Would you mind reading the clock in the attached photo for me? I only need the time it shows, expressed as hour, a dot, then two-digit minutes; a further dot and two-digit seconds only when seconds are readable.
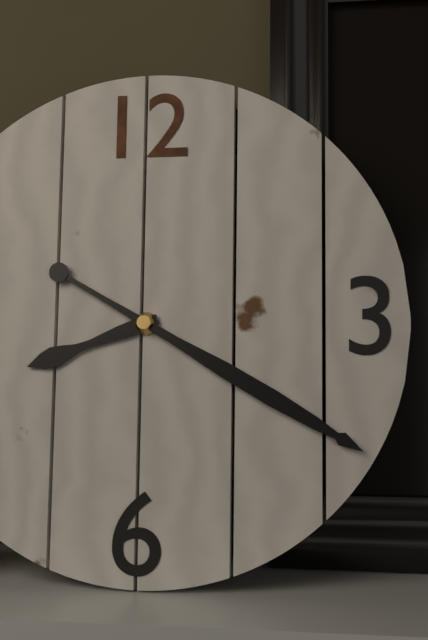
8.20
